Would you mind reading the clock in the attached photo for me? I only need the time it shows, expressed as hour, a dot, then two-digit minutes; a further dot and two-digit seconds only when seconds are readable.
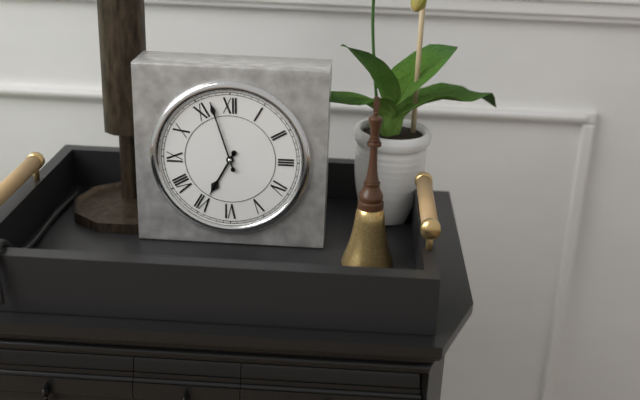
6.57
